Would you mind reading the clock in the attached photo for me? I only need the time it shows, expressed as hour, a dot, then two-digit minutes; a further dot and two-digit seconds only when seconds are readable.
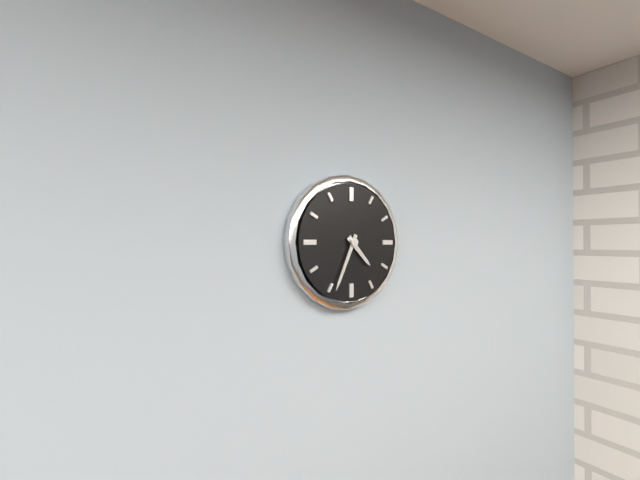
4.34
